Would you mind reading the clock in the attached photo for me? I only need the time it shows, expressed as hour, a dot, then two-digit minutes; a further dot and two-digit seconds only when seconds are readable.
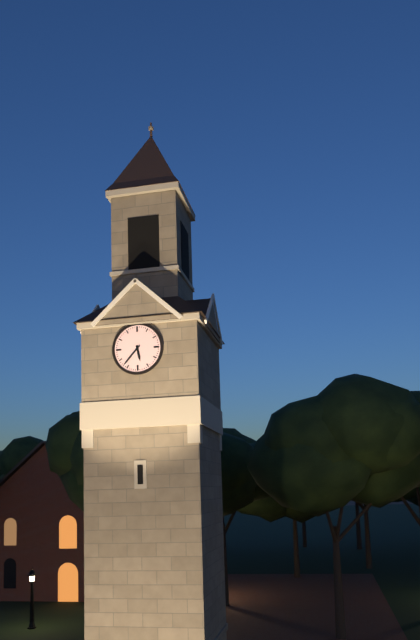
5.37
